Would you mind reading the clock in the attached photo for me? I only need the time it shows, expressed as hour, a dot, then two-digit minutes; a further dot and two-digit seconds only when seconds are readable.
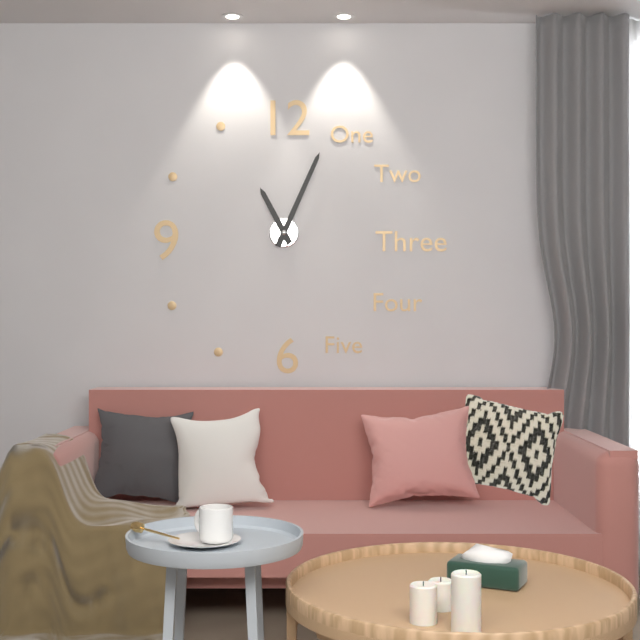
11.04
